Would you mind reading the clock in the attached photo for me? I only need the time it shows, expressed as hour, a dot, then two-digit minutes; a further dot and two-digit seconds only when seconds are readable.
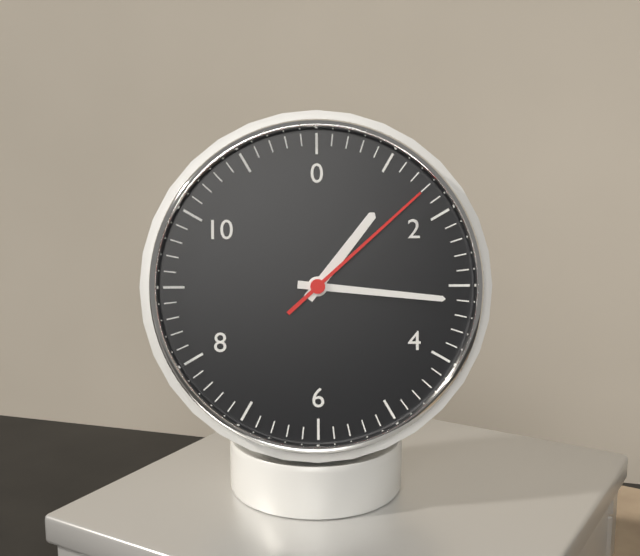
1.16.08
